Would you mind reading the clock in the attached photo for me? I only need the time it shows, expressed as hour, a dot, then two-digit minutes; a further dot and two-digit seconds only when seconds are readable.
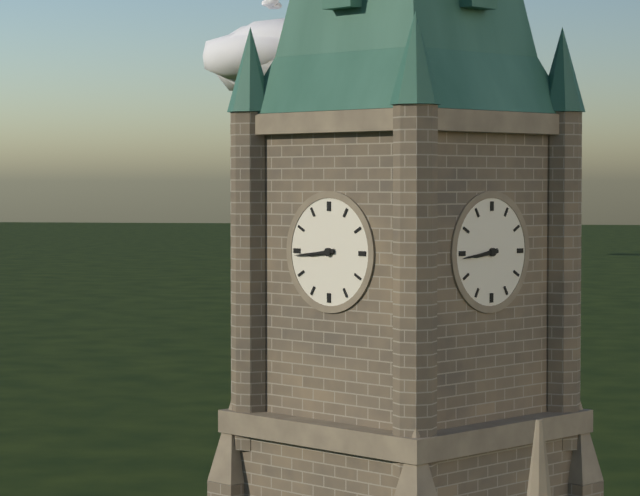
8.44
